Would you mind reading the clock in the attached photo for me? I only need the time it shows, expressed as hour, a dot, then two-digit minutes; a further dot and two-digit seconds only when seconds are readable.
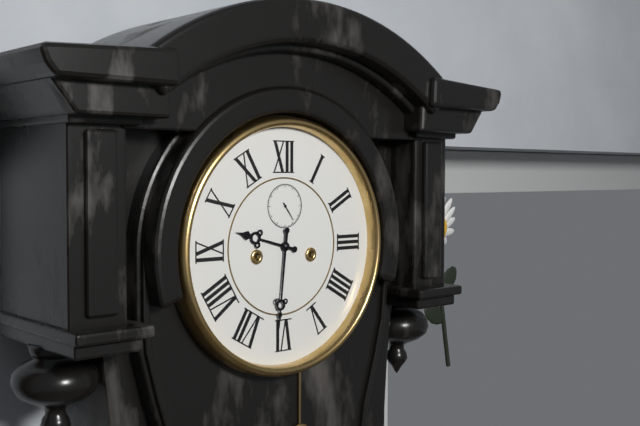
9.31
